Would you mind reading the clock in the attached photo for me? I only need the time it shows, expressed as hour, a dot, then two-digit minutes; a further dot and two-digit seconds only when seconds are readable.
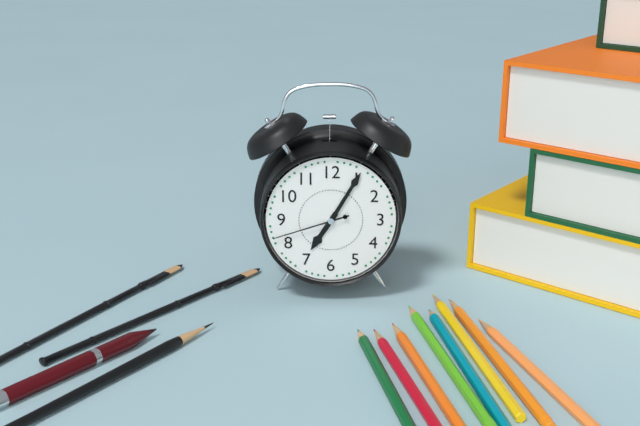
7.05.42
